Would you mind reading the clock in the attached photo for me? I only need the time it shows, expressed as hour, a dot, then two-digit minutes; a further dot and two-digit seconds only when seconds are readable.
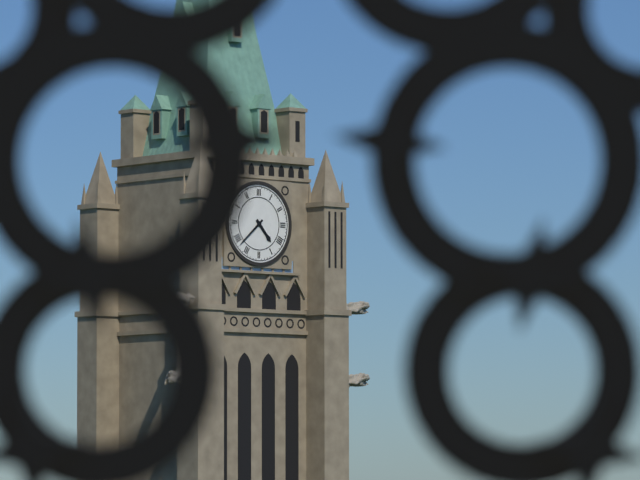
4.38
